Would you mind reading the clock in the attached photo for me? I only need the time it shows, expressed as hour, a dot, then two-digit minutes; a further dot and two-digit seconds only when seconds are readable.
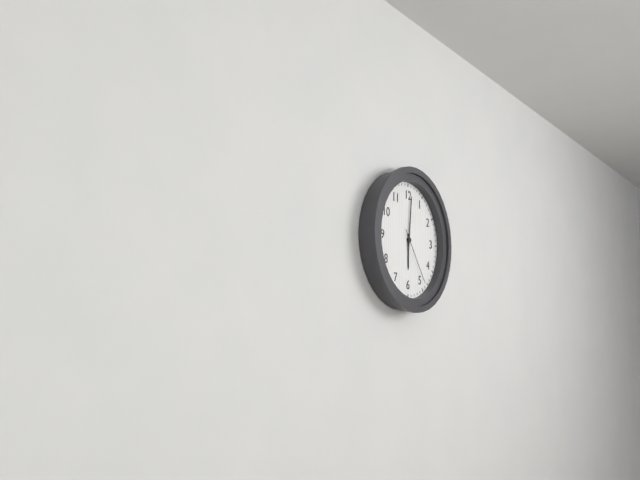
6.01.24
